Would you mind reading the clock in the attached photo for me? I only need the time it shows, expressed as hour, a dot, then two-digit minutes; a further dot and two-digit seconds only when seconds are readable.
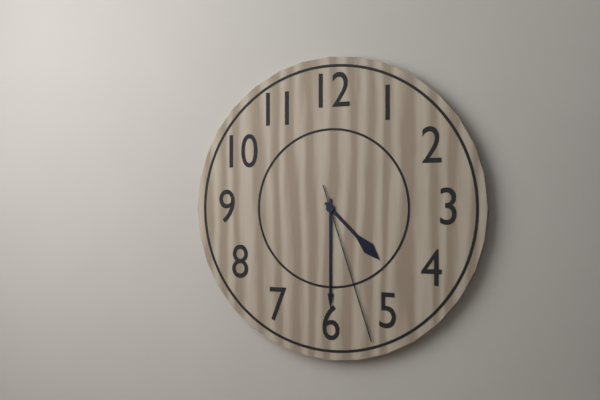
4.30.27
